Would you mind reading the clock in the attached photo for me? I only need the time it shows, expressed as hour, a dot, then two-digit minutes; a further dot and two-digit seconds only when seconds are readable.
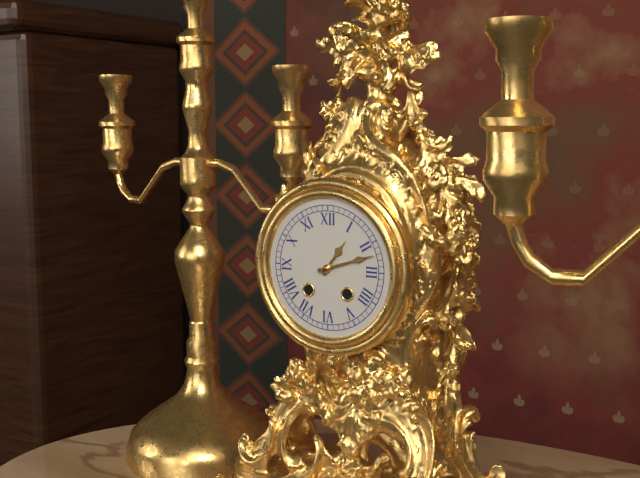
1.12
